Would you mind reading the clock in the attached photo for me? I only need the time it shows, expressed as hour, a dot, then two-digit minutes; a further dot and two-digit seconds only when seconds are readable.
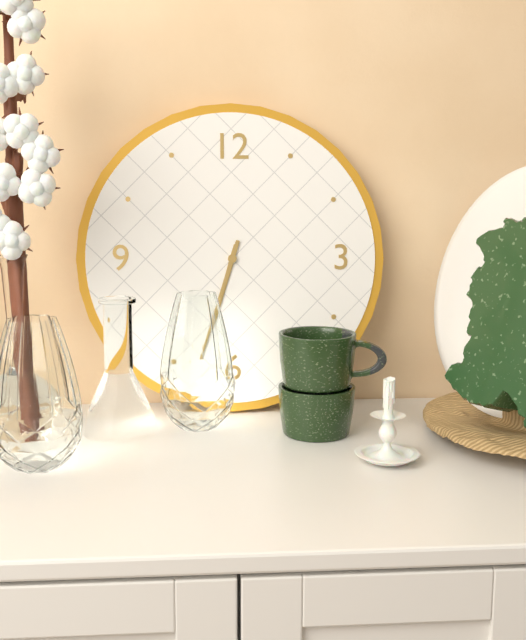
6.33
